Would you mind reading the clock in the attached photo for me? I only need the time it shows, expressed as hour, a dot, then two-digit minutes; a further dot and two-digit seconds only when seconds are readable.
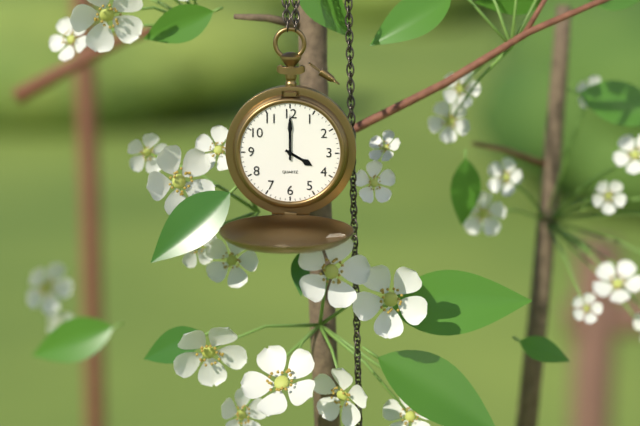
4.00
